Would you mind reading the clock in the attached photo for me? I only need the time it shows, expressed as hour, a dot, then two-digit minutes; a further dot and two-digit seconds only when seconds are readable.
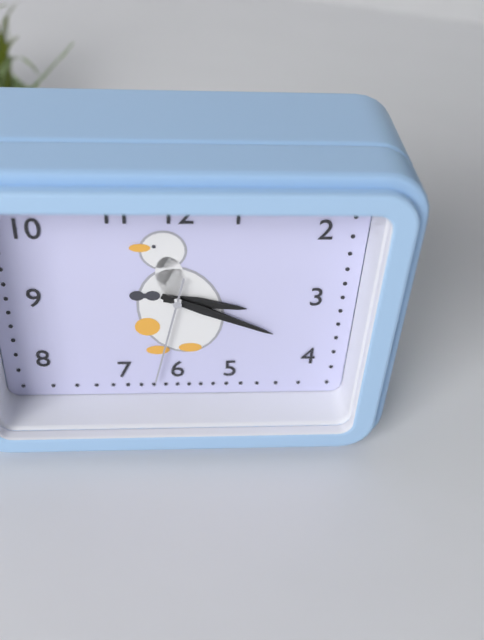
3.19.32
